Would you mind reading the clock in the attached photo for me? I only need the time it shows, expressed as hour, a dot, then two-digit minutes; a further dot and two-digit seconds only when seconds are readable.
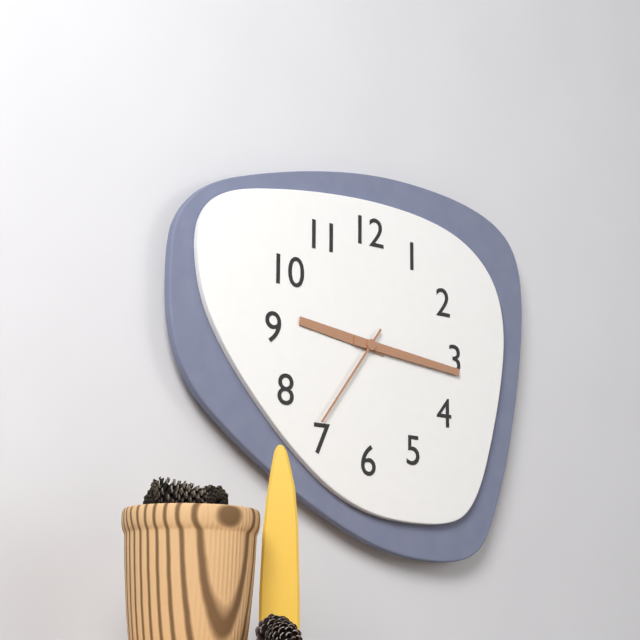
9.16.36
